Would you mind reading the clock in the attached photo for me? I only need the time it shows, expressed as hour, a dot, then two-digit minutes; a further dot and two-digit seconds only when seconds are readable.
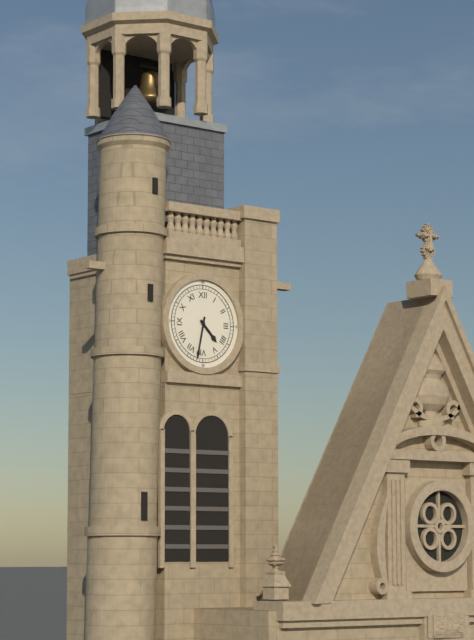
4.32
